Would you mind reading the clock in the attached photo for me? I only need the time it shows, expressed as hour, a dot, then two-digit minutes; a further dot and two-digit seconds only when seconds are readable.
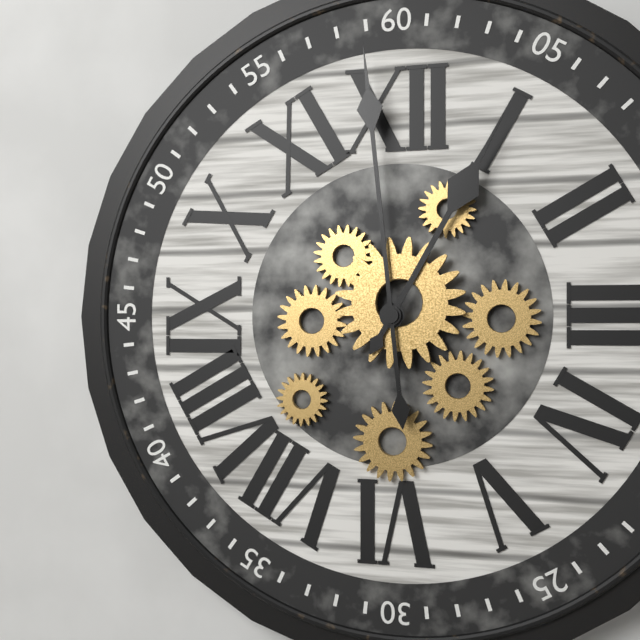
12.59
